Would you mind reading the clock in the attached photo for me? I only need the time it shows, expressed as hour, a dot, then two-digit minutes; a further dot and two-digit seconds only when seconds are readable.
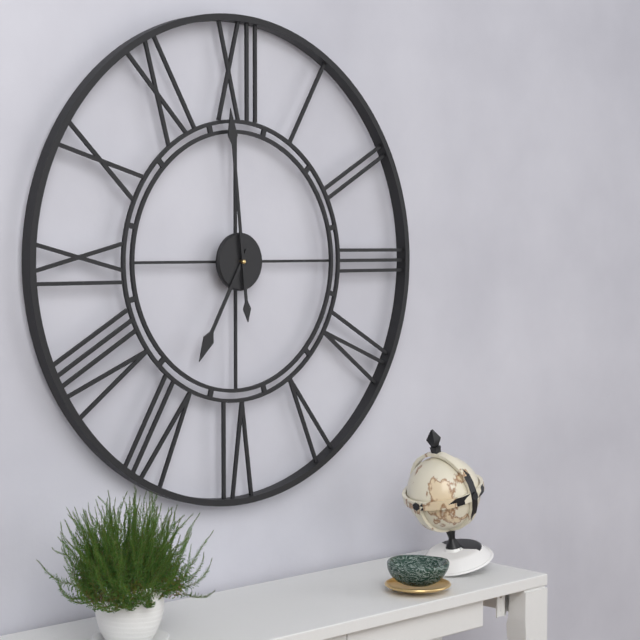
6.59
